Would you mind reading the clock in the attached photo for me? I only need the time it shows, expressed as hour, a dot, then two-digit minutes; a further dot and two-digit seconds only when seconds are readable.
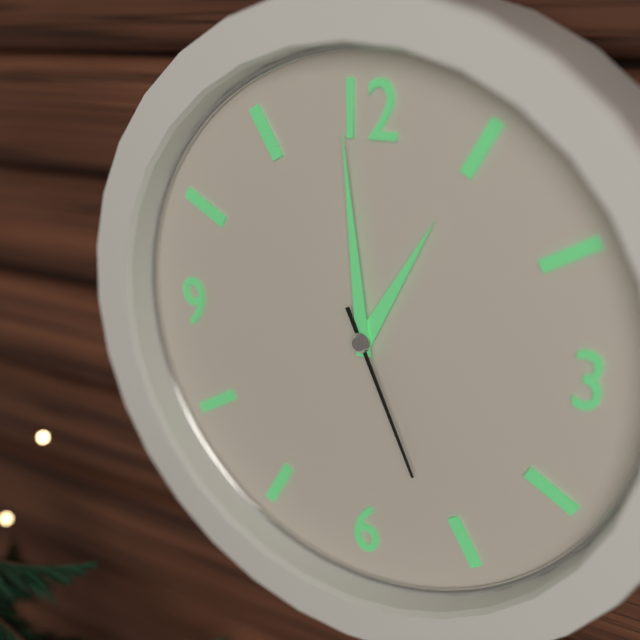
12.59.26
